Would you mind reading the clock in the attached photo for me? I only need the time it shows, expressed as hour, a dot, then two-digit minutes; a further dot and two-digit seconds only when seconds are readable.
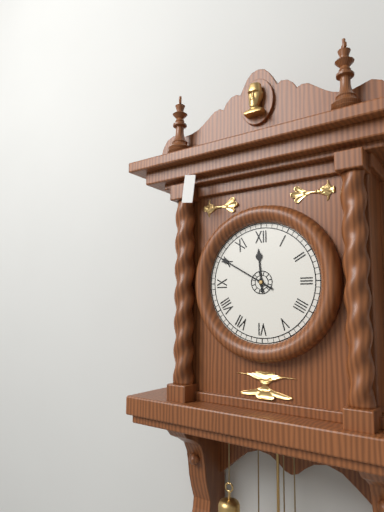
11.50
